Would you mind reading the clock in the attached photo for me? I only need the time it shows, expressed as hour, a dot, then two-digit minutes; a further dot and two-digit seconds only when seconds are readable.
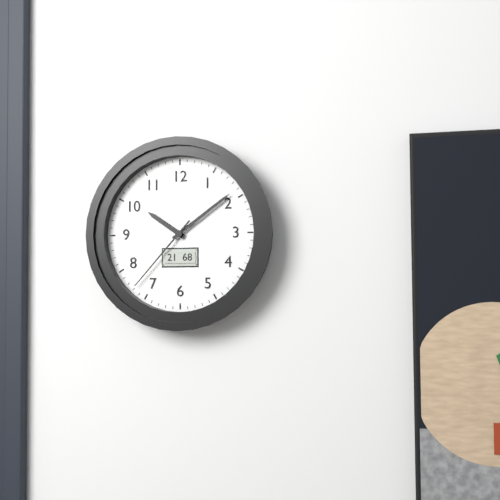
10.09.37
